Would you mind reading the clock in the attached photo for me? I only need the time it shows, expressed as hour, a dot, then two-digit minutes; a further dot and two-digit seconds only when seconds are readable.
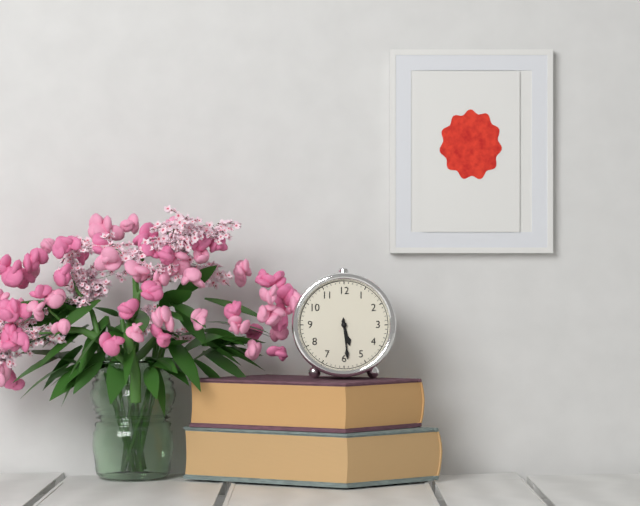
5.29
